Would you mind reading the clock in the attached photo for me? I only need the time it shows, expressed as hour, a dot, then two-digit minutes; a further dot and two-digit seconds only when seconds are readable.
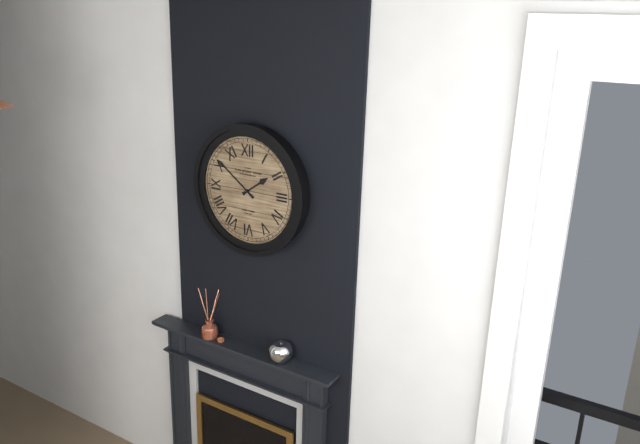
1.51
